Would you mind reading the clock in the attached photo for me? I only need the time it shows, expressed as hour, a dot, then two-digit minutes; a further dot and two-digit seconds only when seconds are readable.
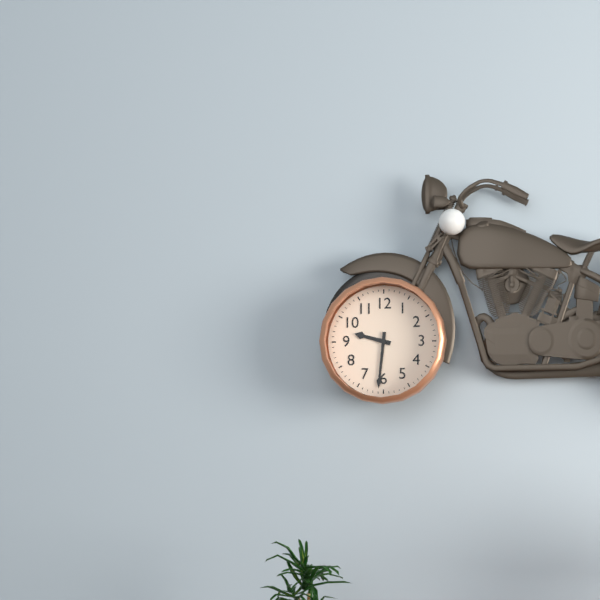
9.31
